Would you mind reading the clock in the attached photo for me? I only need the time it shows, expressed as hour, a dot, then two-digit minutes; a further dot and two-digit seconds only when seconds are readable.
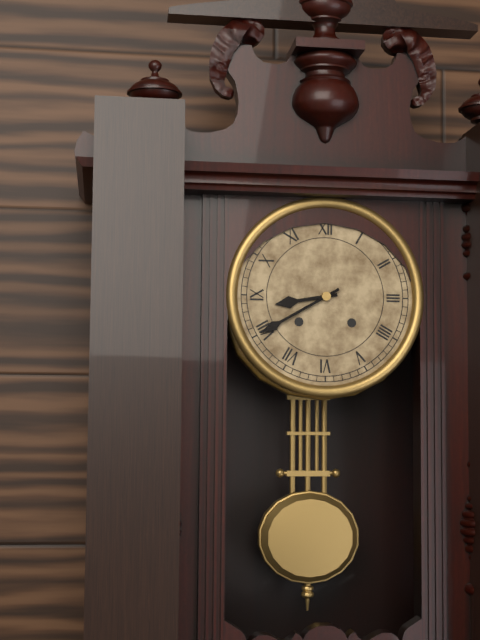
8.40
